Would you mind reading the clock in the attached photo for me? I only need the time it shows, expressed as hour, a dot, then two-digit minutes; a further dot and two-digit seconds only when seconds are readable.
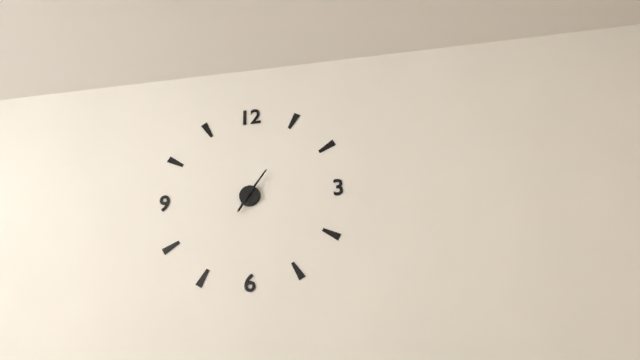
7.06
